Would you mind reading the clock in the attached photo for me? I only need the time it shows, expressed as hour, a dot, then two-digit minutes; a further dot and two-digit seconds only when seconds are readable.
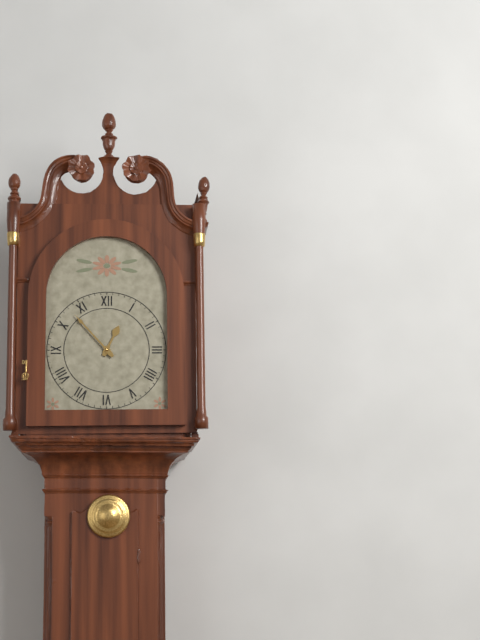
12.53
